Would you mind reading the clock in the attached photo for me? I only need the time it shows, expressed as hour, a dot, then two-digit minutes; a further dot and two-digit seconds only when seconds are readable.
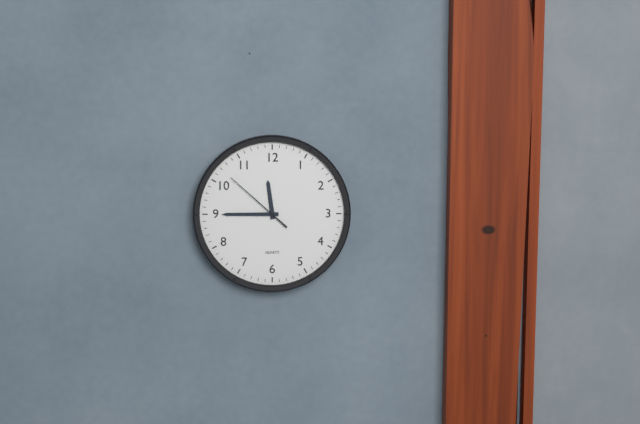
11.45.52
